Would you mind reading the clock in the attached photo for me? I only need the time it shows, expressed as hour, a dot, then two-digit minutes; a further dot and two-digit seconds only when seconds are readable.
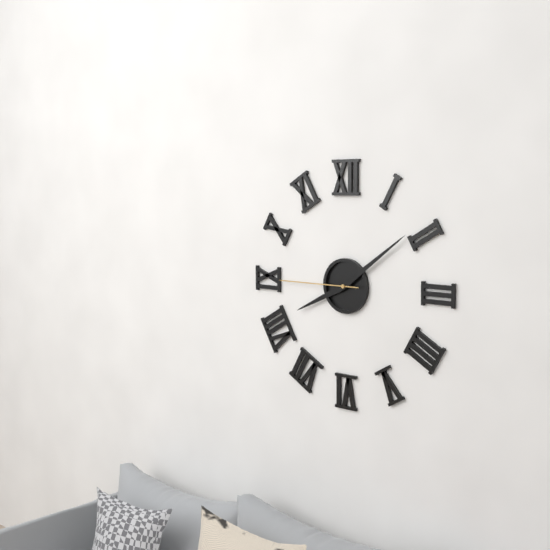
8.09.45
